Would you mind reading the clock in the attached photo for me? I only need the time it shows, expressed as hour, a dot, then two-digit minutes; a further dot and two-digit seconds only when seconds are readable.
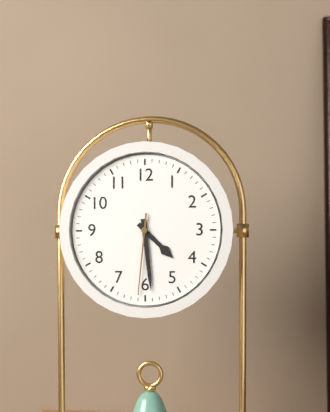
4.29.31
